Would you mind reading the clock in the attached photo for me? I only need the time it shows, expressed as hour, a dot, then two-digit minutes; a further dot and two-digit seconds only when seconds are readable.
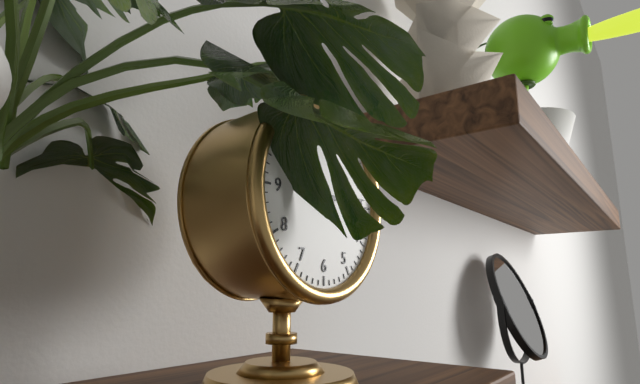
10.14.52
